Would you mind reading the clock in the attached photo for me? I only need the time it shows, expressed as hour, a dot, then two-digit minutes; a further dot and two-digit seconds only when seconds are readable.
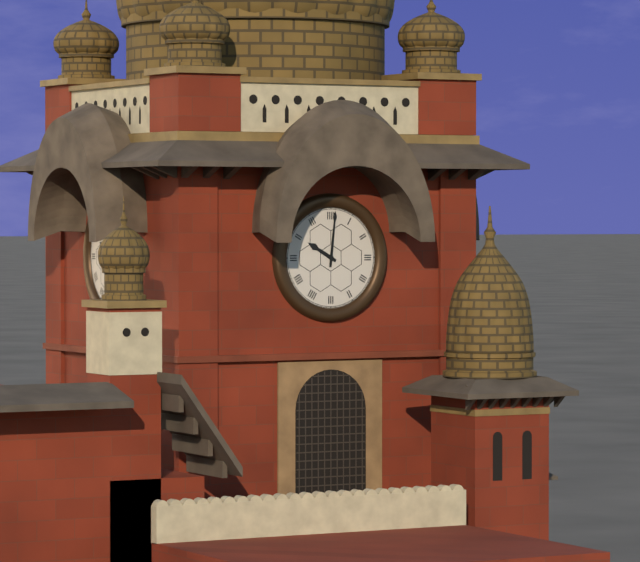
10.01
